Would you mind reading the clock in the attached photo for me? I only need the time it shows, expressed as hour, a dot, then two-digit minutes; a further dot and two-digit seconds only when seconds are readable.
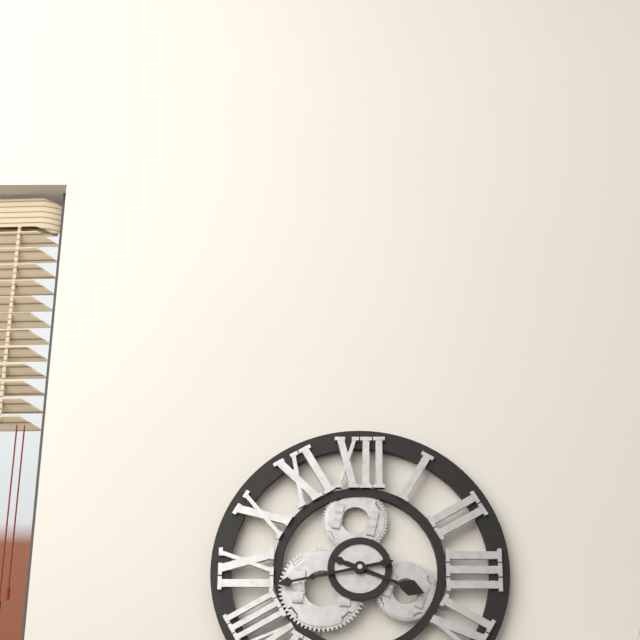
3.43
